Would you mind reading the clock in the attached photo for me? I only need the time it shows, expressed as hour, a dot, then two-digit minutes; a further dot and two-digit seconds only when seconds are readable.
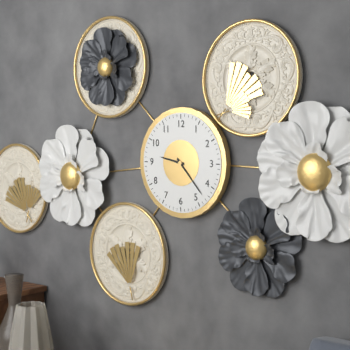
9.23
